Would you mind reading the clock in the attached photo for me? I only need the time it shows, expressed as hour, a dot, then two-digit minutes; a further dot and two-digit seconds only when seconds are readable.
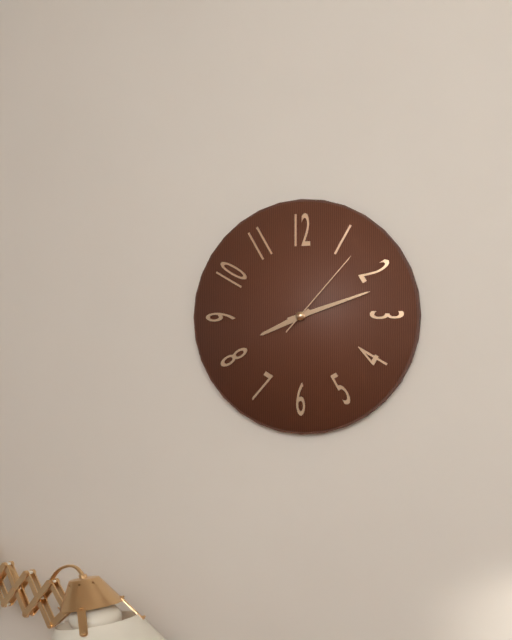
8.12.07
